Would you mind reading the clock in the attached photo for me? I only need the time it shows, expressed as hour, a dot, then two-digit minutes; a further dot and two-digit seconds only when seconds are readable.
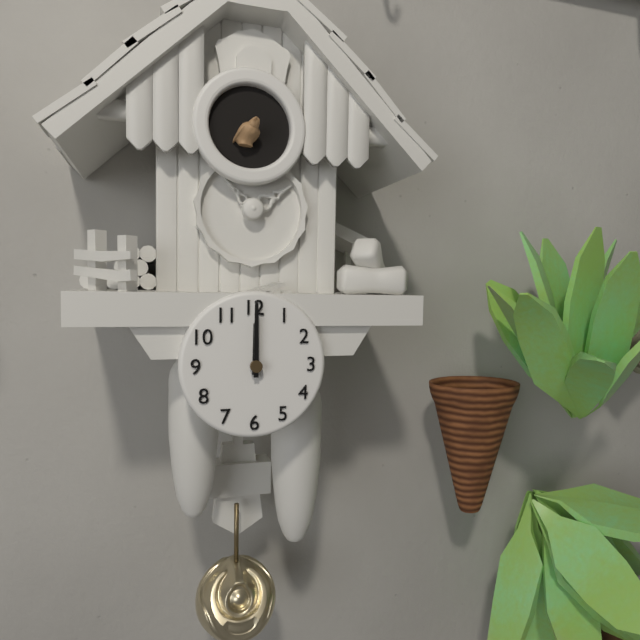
12.00
